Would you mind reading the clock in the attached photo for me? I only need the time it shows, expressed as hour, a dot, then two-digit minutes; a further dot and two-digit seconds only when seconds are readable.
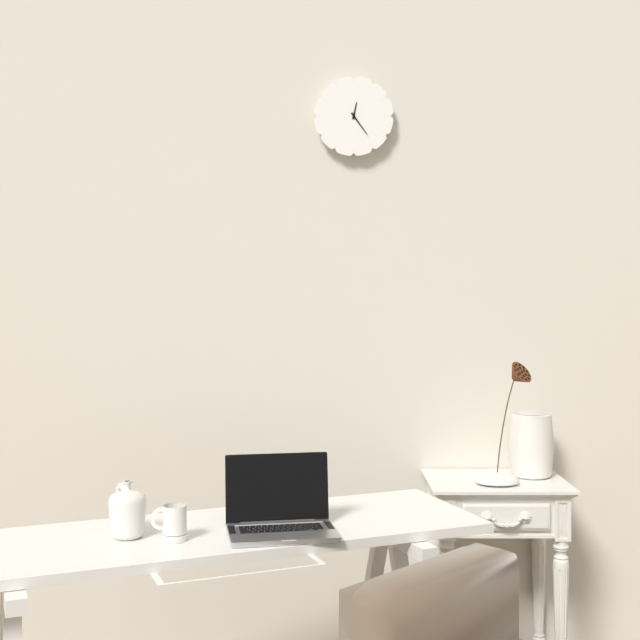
12.24
